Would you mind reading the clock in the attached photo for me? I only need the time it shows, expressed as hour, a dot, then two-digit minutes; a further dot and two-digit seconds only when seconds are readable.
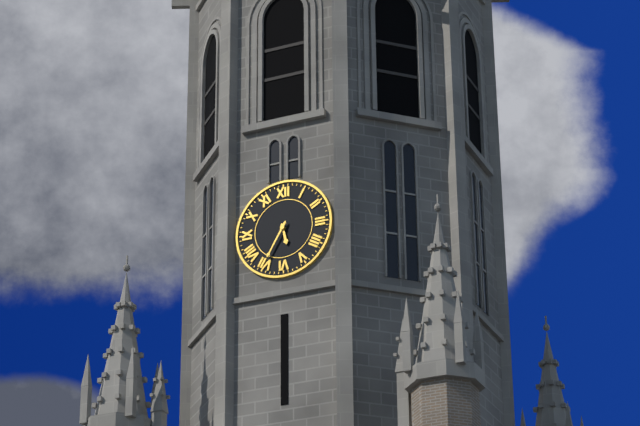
5.35
